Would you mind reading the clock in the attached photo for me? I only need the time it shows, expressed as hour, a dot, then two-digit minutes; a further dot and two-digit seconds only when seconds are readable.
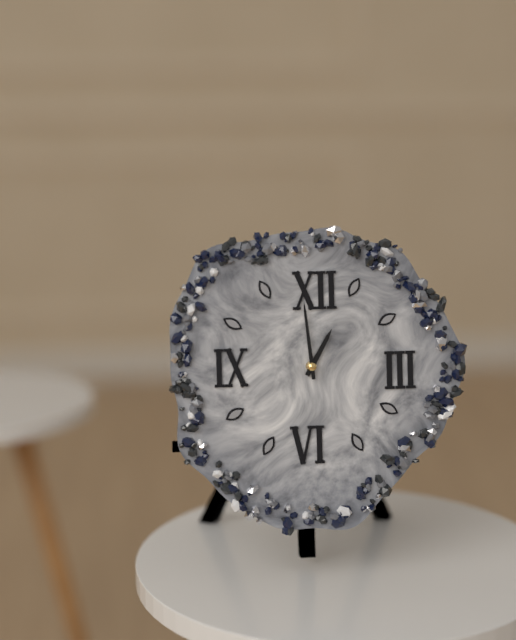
12.59
